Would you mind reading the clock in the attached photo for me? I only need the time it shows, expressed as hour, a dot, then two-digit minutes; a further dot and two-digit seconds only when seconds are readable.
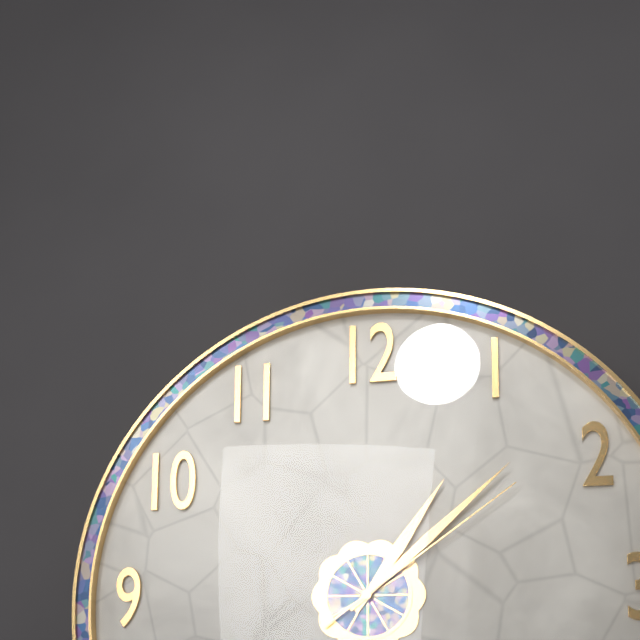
1.08.09
